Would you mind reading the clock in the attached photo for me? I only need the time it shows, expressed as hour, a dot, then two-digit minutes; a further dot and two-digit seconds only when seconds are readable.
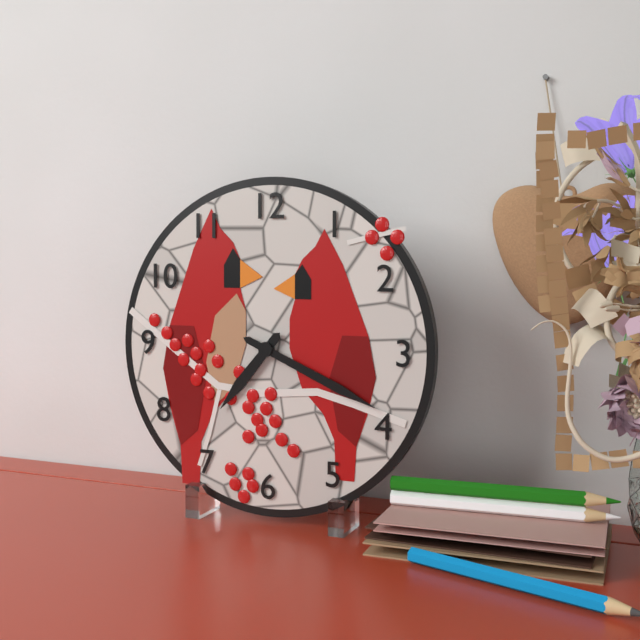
7.19
